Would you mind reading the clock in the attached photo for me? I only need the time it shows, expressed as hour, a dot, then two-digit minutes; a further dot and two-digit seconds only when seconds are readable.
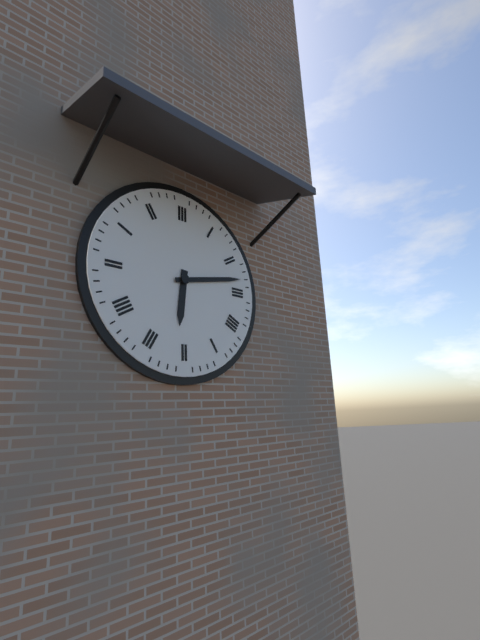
6.13
